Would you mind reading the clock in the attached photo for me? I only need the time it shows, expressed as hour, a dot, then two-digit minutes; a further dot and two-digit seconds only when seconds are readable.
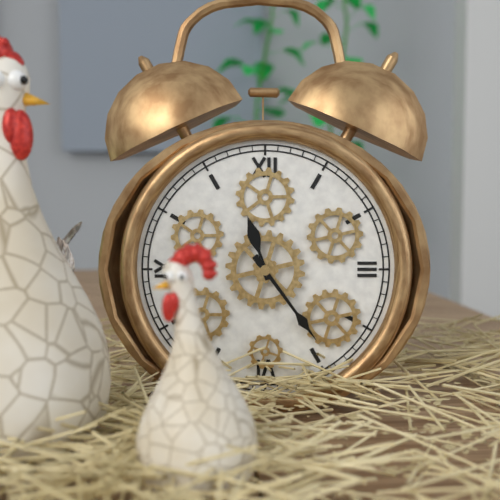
11.24
